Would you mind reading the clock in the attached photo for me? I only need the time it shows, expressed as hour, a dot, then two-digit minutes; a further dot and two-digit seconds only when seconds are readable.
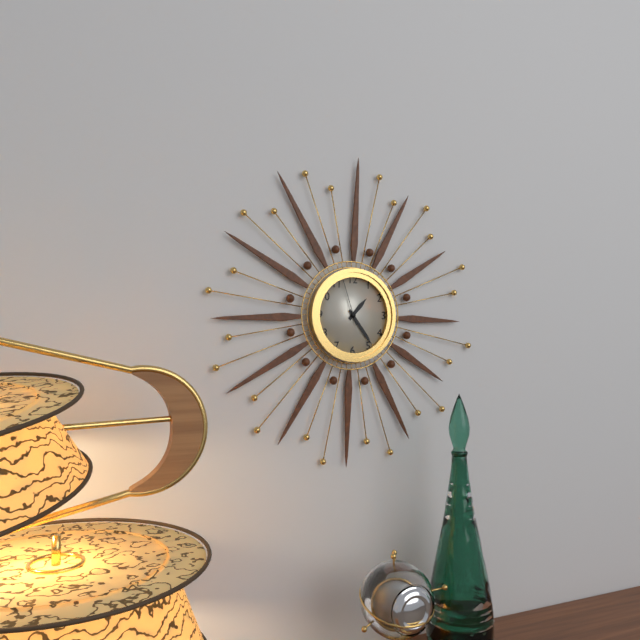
1.24
